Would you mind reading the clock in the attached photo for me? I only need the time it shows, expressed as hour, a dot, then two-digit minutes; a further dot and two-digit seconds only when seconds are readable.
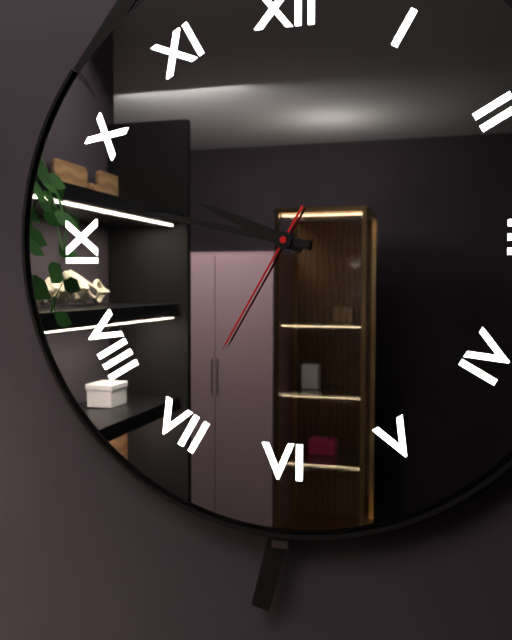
9.47.35
